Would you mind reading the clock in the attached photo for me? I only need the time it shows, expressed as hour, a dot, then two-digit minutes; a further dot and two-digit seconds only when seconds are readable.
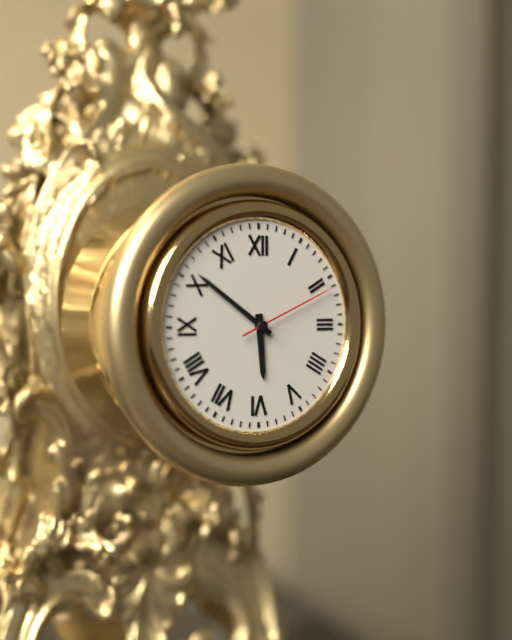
5.51.11
